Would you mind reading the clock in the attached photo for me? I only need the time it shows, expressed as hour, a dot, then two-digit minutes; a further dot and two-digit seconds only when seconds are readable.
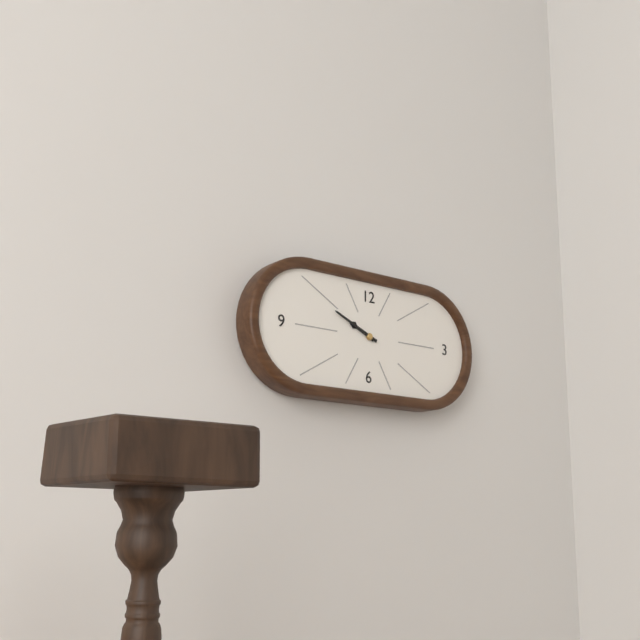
9.49
